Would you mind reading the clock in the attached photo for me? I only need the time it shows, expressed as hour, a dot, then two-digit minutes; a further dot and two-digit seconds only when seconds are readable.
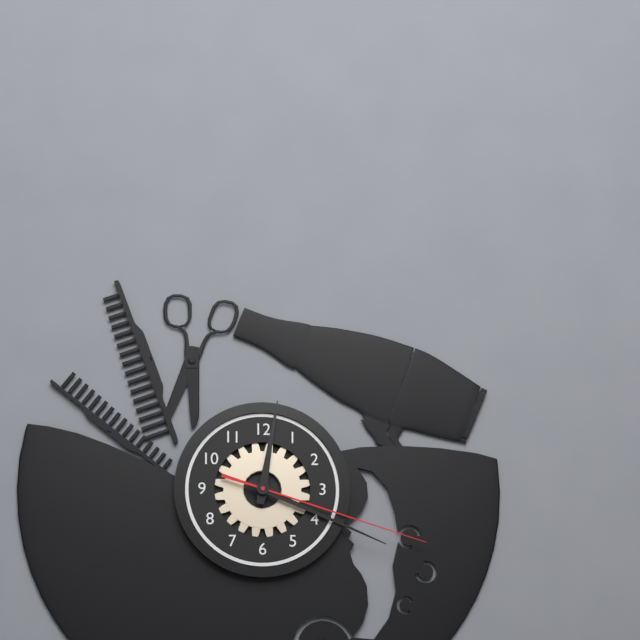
12.19.18
